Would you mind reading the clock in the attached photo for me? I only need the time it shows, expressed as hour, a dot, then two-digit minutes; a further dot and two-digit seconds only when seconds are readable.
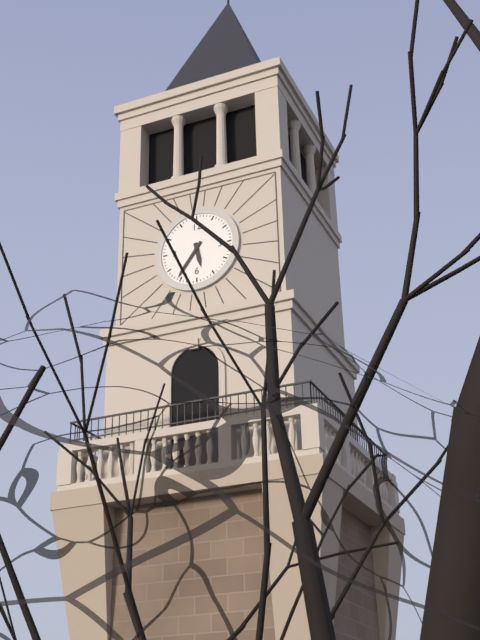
5.36
